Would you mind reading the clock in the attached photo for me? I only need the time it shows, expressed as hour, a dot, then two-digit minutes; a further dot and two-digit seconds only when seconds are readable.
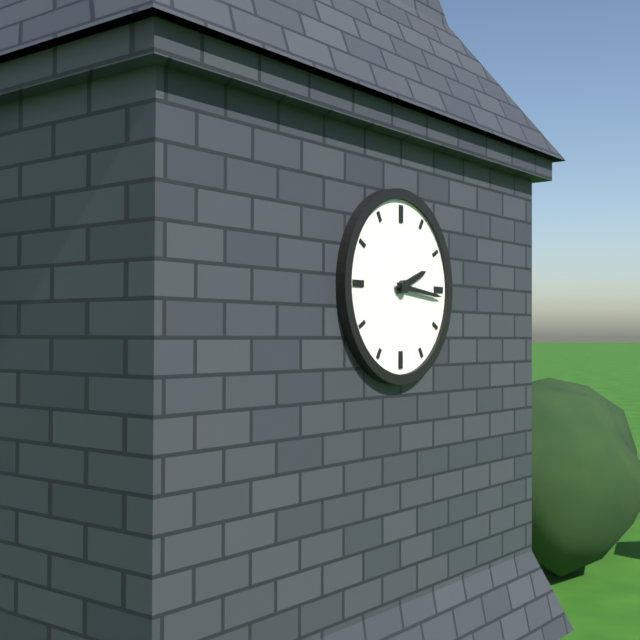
2.16
